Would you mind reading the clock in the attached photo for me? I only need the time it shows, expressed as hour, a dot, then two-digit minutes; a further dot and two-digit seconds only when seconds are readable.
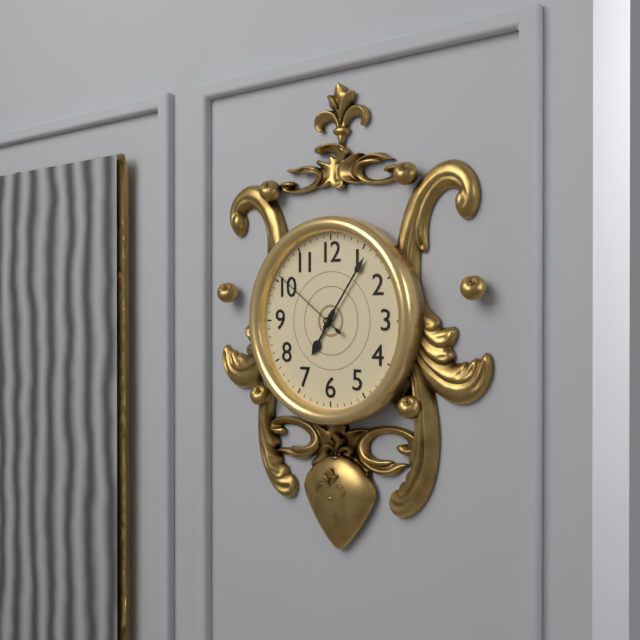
7.06.51
